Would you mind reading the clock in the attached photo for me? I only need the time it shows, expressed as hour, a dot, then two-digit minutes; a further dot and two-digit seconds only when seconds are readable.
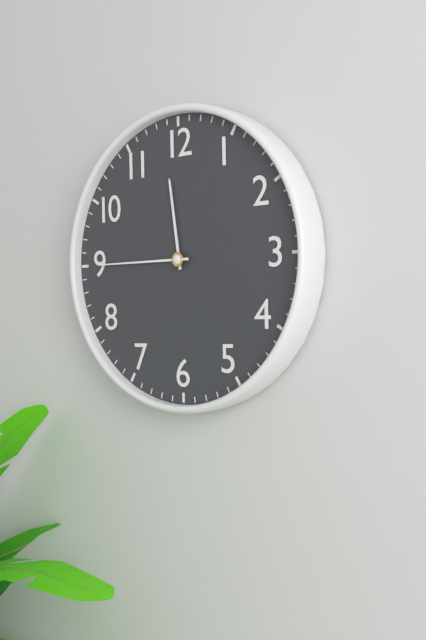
11.45
